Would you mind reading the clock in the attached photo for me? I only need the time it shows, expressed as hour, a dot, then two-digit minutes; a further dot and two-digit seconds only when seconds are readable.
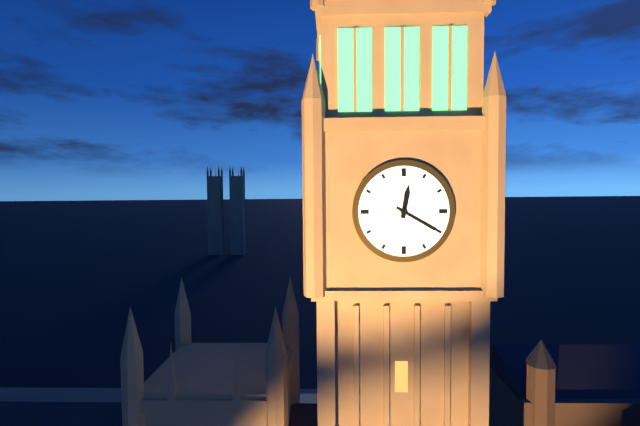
12.20
